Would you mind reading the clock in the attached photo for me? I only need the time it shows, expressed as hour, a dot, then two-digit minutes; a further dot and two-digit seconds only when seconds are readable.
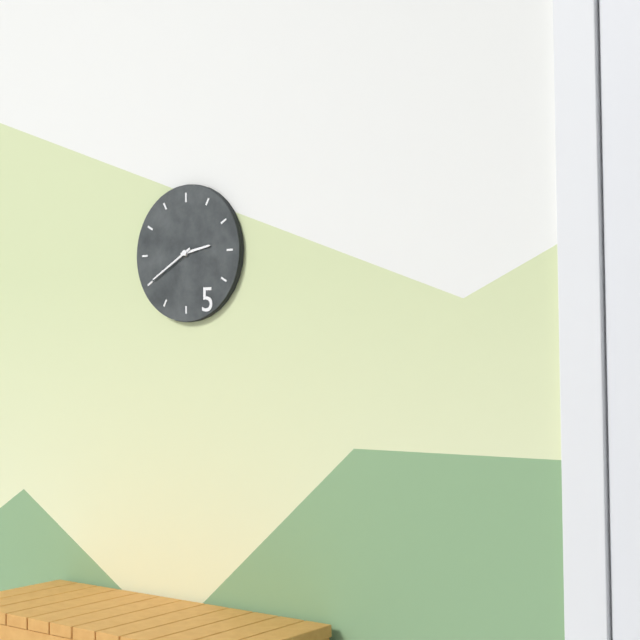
2.40
